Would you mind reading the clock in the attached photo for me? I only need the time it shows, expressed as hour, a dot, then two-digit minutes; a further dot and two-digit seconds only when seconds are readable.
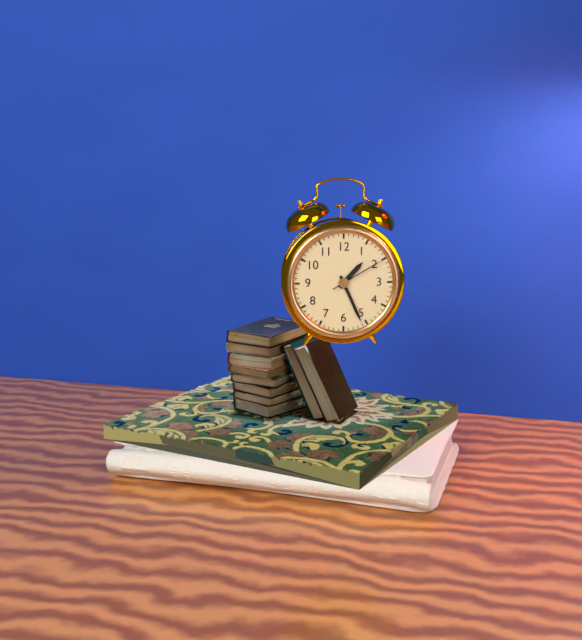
1.26.10
